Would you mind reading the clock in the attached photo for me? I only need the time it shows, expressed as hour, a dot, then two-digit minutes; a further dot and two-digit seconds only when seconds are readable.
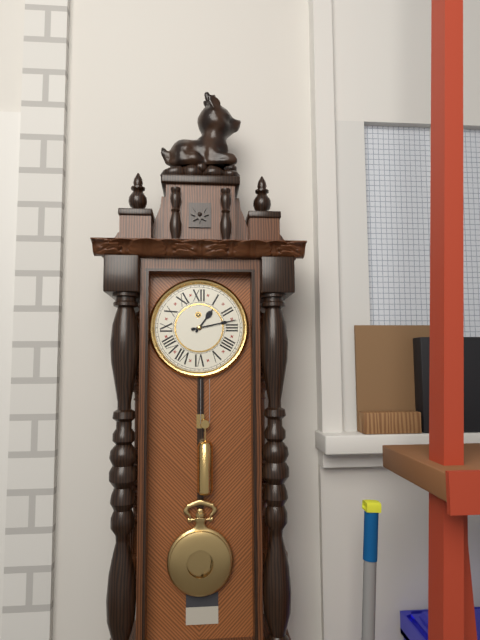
1.13
